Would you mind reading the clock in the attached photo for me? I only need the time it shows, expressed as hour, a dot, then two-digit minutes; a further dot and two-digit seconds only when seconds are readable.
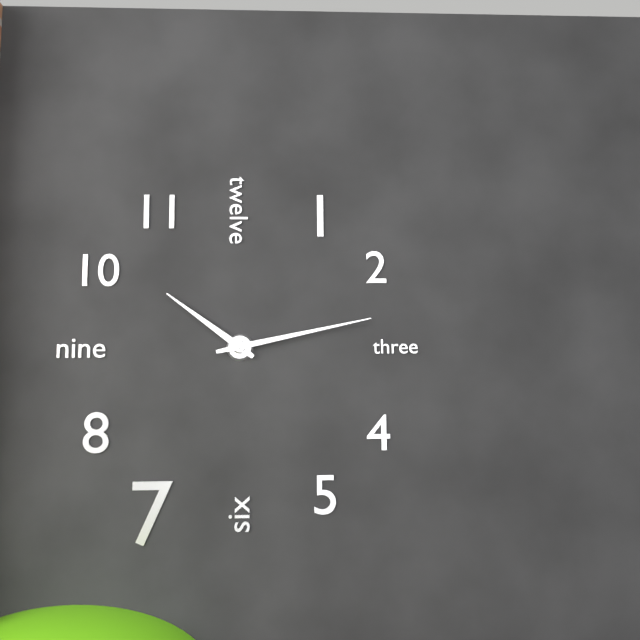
10.13
